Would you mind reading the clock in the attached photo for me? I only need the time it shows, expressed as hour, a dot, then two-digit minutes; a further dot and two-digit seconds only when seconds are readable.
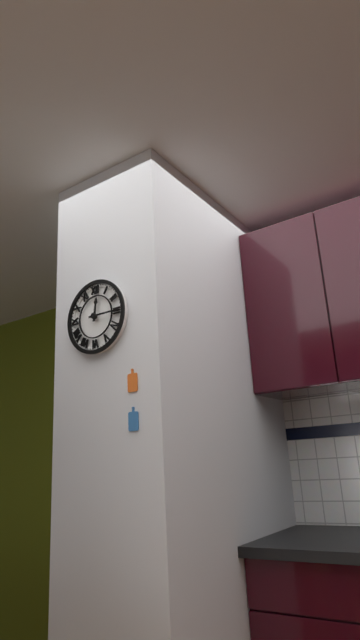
12.15
